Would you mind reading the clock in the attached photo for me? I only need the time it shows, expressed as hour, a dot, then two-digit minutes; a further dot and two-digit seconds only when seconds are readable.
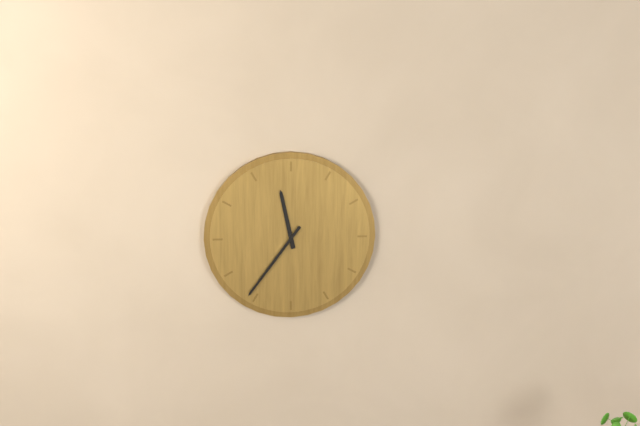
11.36
